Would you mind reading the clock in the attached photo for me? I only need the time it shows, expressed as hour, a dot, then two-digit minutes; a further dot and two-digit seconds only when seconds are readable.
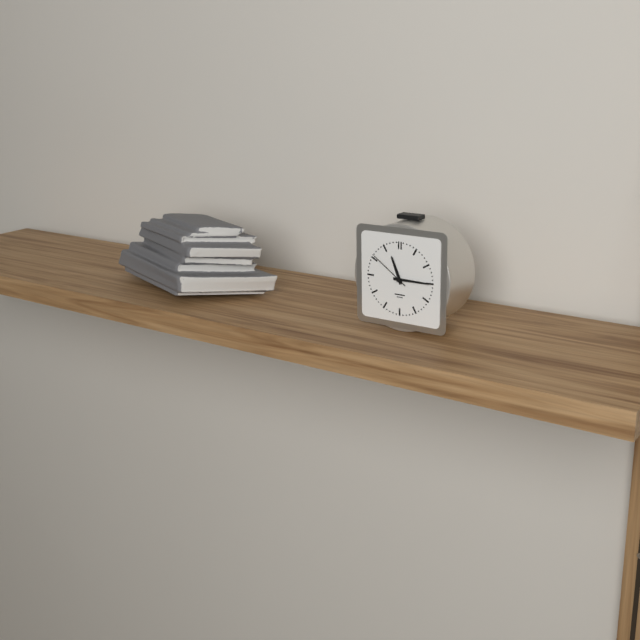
11.15
